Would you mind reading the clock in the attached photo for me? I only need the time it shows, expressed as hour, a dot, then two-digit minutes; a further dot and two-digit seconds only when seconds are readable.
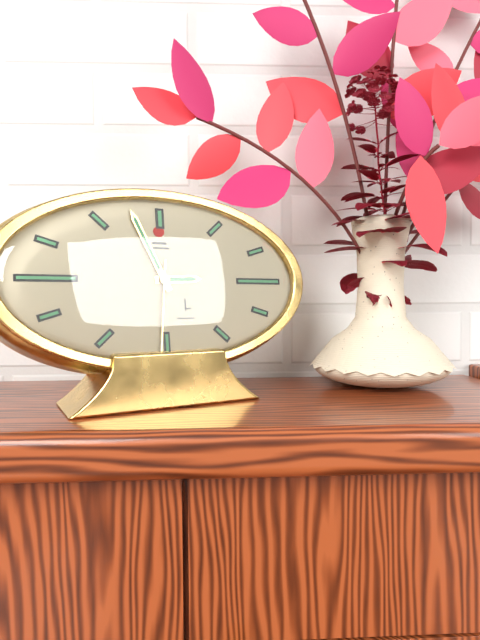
2.56.31
